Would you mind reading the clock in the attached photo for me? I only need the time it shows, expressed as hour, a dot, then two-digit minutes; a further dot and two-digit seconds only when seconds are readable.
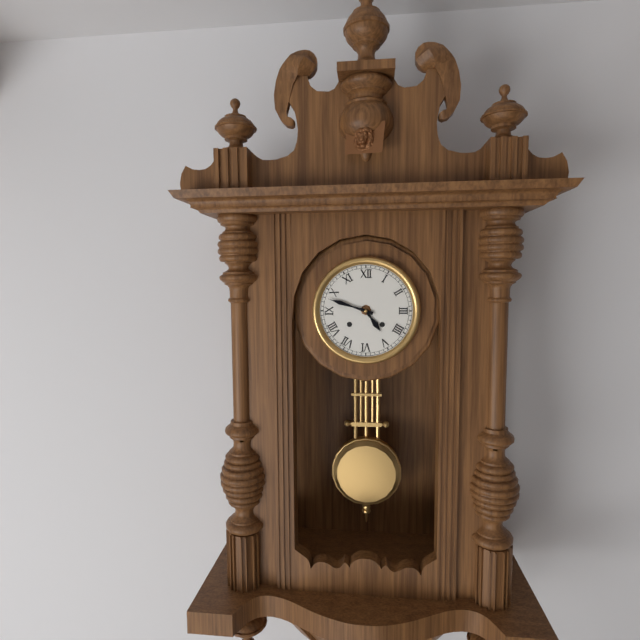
4.48
